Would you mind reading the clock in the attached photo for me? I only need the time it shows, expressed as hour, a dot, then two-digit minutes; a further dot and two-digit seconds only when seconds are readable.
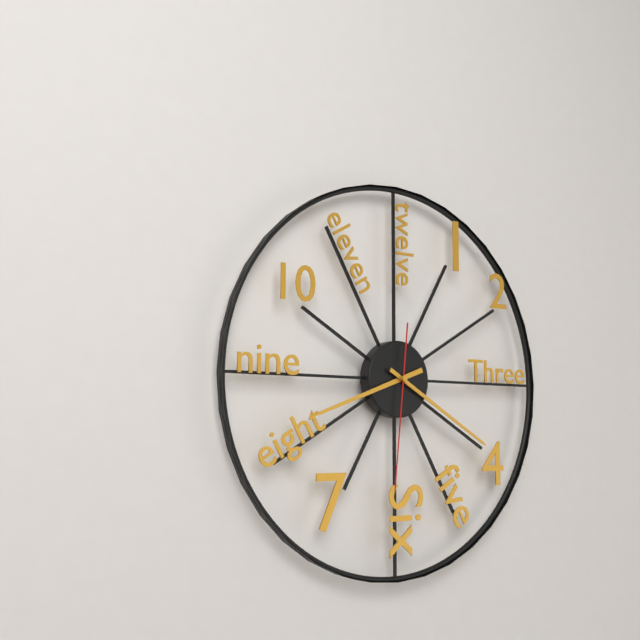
8.20.31
